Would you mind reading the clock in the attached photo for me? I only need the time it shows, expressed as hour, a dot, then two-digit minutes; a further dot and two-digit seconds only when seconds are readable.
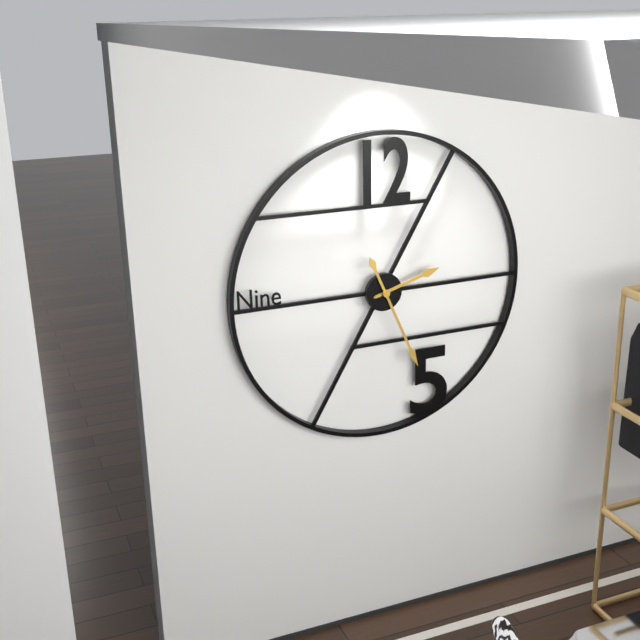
2.26
